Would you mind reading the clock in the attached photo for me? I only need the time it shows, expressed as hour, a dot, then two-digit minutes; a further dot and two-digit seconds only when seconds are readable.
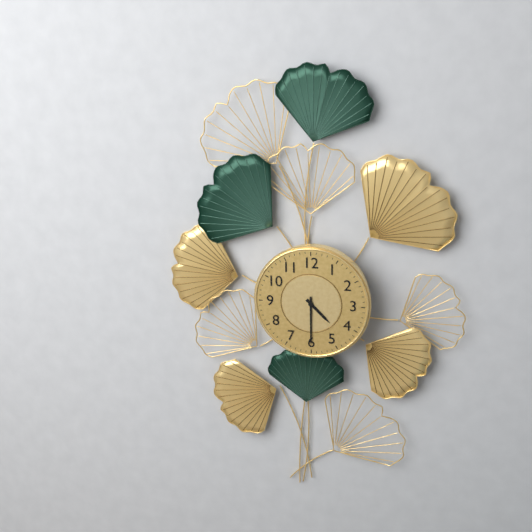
4.30
